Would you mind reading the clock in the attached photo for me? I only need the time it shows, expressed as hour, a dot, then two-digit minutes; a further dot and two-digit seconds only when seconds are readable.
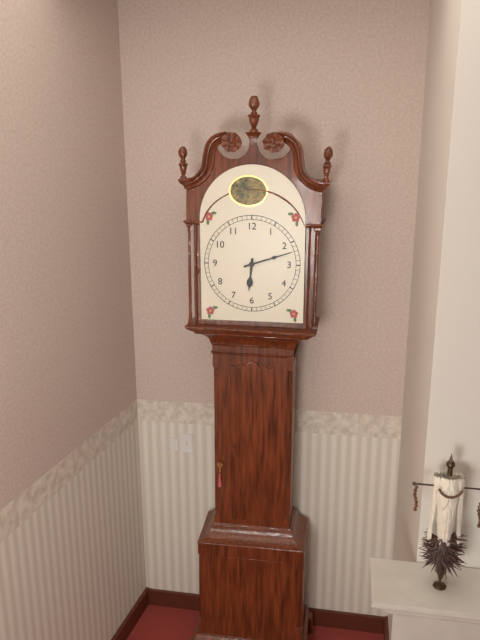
6.12
